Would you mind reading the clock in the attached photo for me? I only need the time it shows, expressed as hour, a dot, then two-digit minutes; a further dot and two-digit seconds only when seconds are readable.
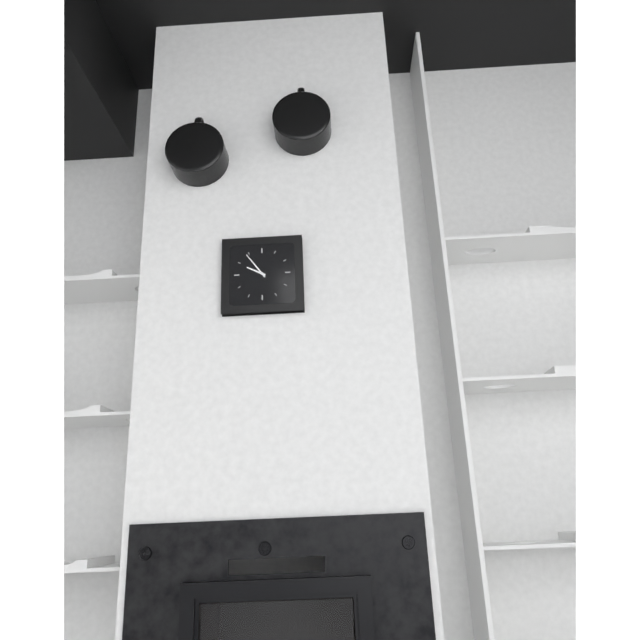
9.54
